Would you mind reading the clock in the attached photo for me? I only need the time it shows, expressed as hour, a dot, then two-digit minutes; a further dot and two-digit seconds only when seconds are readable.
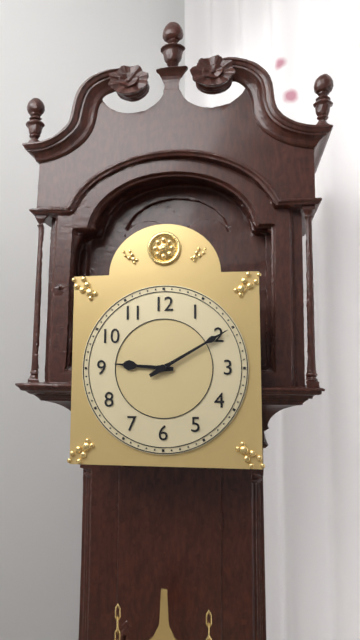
9.10
